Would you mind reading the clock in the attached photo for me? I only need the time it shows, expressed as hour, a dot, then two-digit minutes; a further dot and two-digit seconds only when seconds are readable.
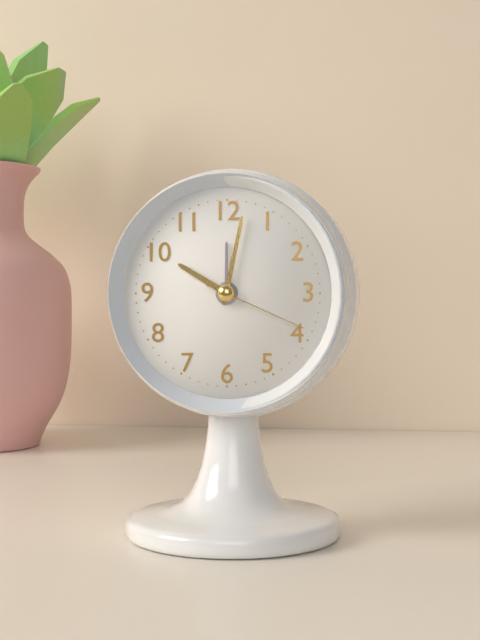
10.02.19
